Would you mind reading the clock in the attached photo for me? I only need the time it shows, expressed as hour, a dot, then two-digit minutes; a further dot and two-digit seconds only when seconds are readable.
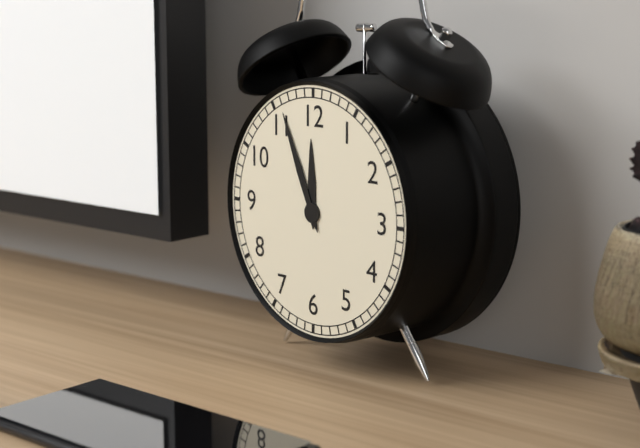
11.56
